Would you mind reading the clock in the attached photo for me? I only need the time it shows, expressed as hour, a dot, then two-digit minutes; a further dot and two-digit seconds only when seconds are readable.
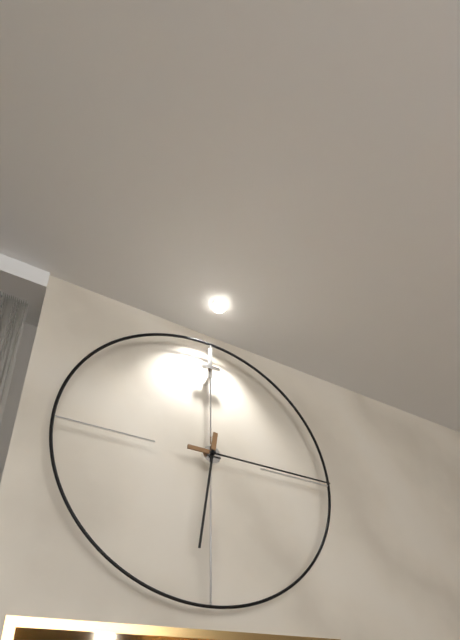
6.15
